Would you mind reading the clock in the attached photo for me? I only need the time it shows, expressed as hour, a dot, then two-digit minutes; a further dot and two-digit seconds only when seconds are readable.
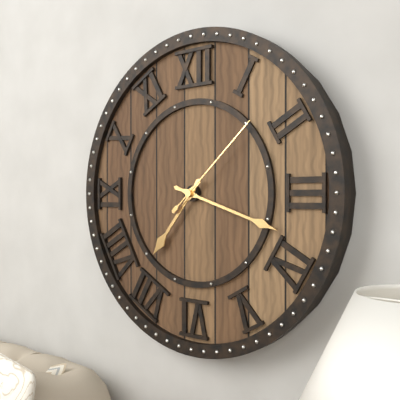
7.18.08
